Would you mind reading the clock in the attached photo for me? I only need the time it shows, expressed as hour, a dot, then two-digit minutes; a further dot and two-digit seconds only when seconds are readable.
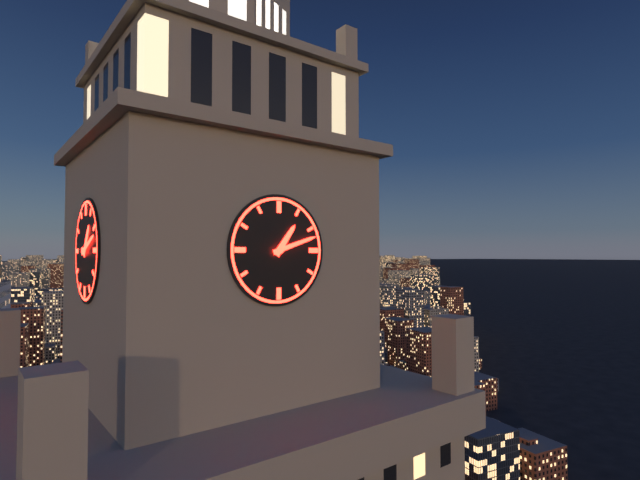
1.12
